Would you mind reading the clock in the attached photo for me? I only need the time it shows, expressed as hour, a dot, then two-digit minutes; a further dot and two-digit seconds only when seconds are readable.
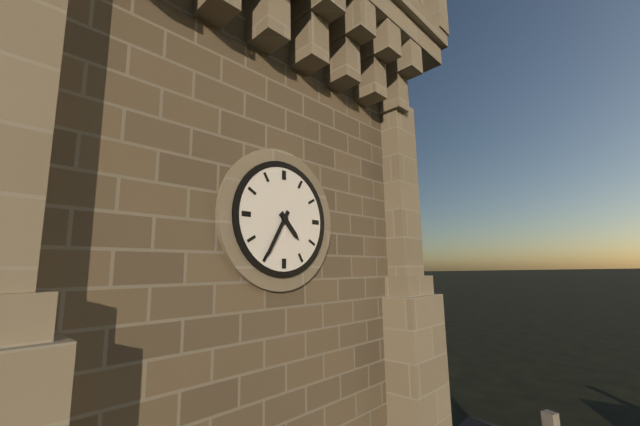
4.35
